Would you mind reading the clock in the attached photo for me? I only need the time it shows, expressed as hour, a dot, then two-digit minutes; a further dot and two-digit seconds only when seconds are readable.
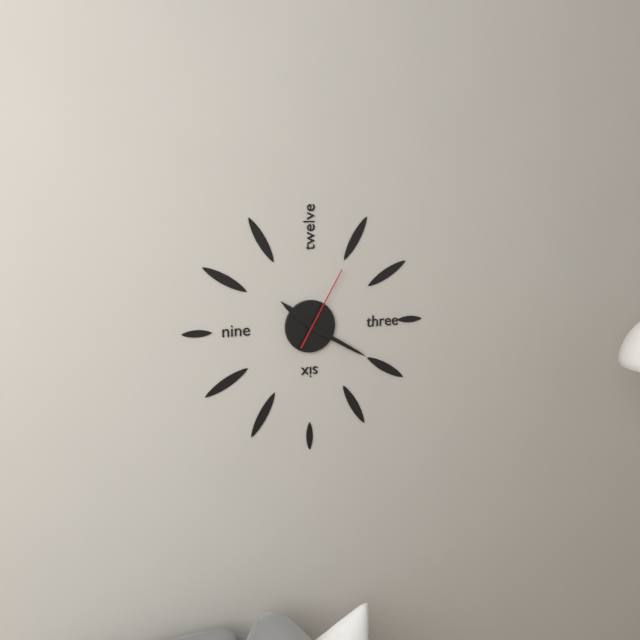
10.20.05
